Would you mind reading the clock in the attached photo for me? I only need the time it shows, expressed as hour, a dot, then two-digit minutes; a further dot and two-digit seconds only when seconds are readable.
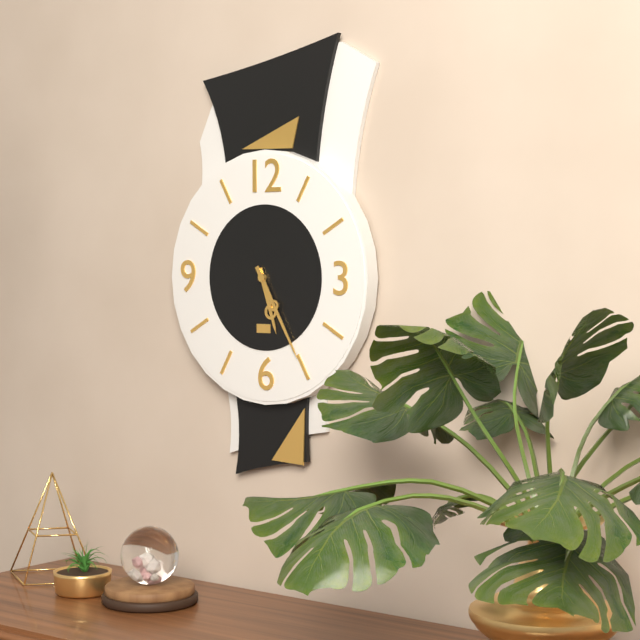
5.25
